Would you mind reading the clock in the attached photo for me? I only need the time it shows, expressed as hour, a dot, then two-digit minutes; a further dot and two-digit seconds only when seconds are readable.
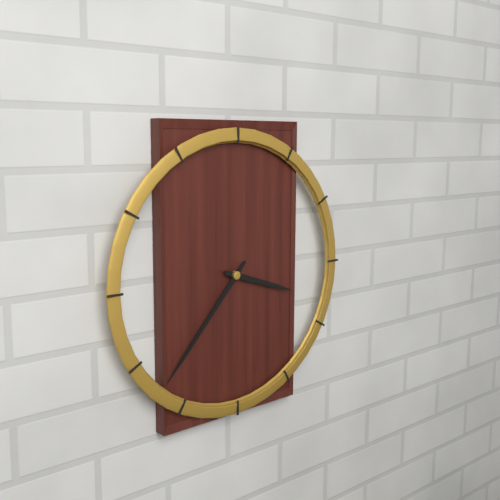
3.37
